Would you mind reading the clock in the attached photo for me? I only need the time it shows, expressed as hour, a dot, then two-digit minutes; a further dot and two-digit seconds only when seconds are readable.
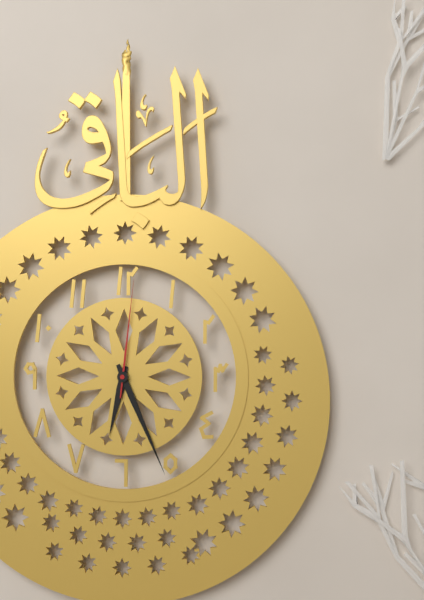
6.26.01
